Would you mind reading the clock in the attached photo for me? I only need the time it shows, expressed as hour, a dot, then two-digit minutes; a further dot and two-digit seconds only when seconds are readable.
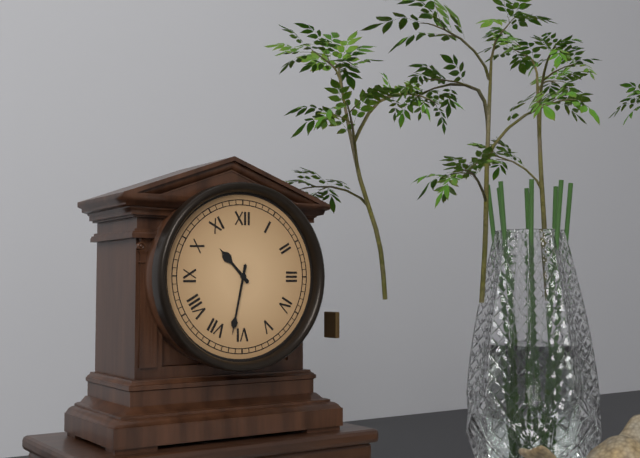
10.32
